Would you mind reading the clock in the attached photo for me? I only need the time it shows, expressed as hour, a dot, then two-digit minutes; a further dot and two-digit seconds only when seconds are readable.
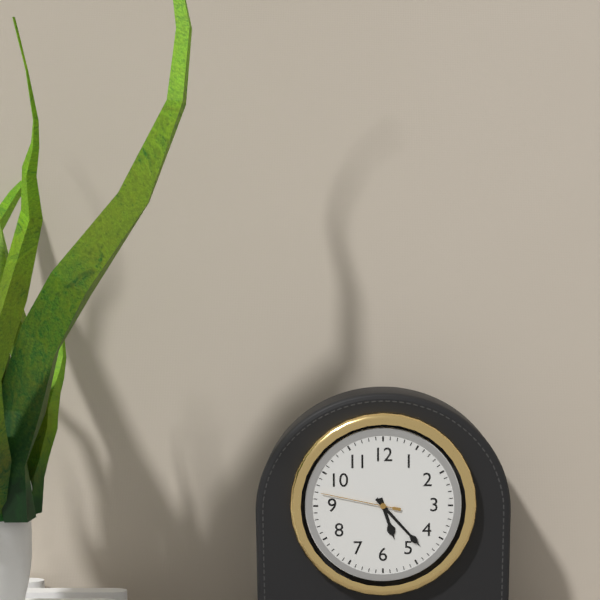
5.23.47
